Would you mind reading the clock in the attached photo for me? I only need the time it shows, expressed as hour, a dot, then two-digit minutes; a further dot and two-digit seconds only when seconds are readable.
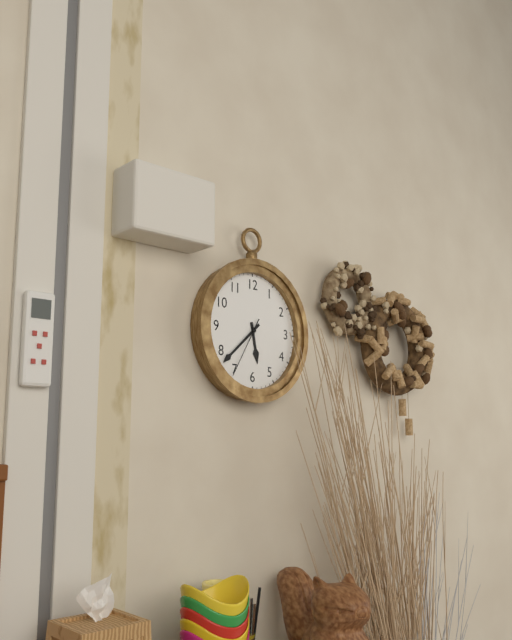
5.38.35
